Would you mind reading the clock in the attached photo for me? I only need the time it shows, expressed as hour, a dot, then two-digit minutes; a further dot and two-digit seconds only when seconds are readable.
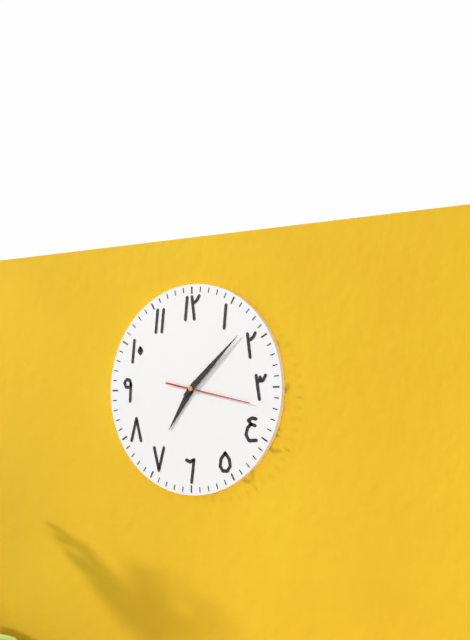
7.08.17
